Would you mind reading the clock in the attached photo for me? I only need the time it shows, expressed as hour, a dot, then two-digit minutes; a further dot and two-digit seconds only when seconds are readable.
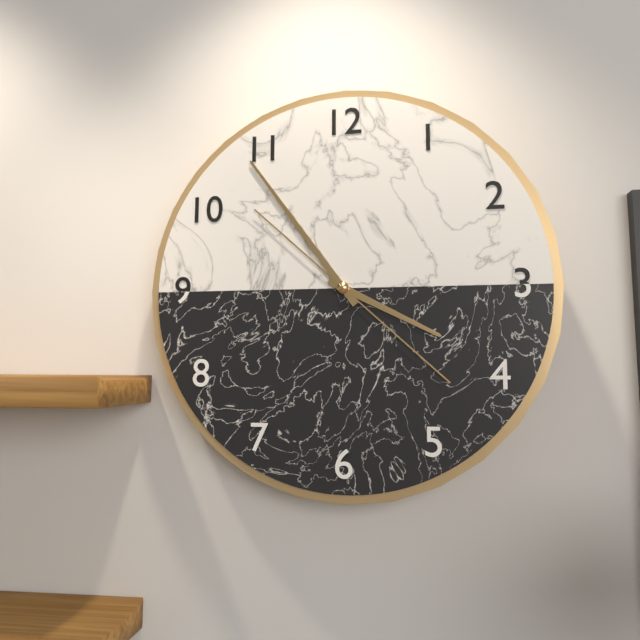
3.54.22
